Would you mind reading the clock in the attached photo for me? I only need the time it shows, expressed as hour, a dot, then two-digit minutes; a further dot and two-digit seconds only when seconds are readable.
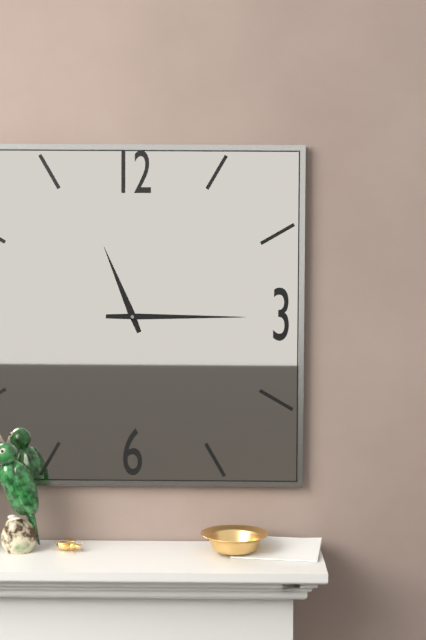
11.15
